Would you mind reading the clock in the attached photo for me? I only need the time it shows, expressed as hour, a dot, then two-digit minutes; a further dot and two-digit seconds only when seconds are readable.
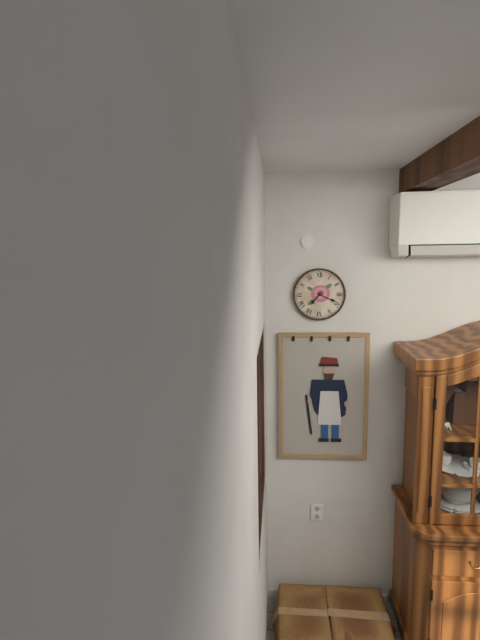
7.19
